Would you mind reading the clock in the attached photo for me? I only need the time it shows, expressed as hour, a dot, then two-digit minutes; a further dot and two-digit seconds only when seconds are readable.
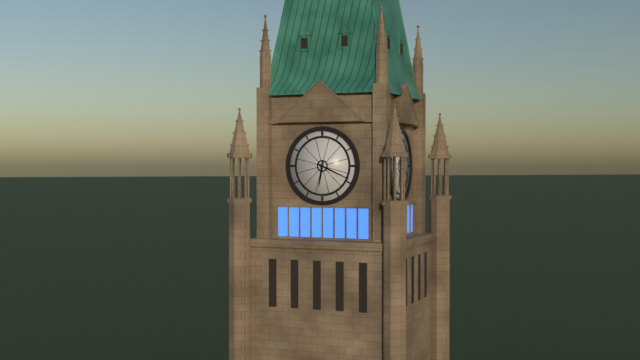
6.19
